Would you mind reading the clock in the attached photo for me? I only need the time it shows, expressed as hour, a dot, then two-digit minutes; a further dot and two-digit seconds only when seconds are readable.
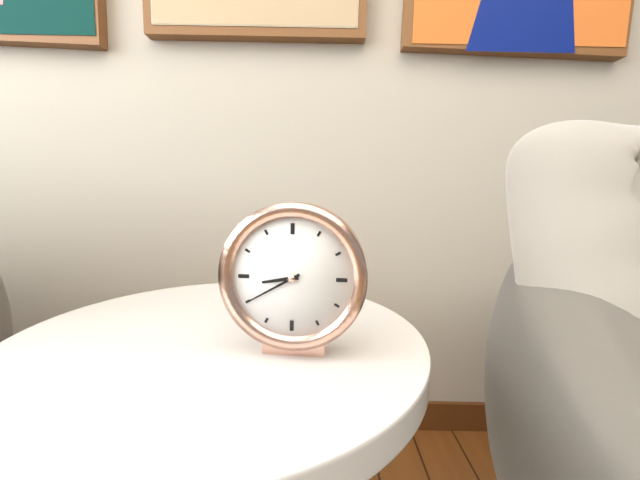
8.40
